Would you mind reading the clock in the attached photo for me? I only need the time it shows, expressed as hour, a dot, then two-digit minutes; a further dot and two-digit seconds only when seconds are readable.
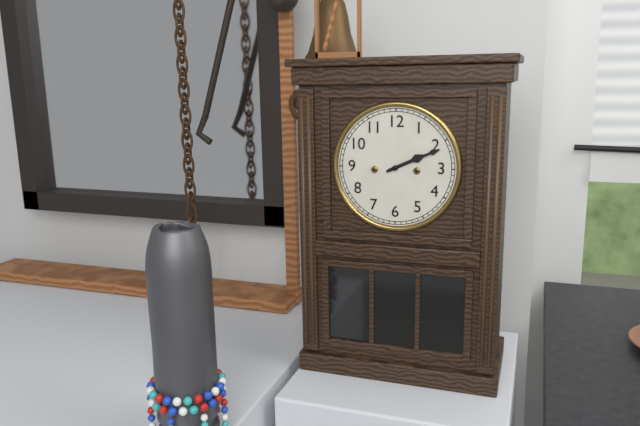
2.11
